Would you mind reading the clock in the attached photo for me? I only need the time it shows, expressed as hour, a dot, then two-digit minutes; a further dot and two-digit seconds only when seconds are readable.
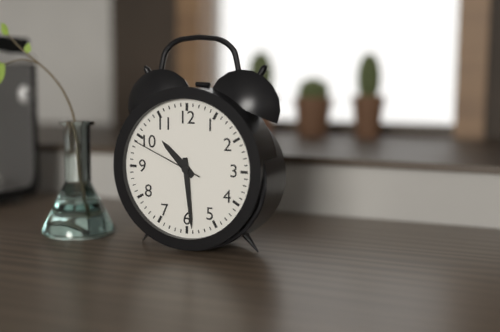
10.29.49
